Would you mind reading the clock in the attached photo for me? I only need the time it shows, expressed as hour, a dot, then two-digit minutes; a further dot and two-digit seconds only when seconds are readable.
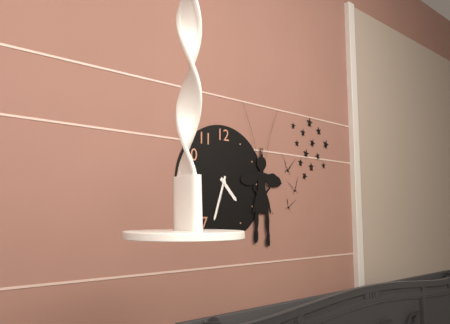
4.33
